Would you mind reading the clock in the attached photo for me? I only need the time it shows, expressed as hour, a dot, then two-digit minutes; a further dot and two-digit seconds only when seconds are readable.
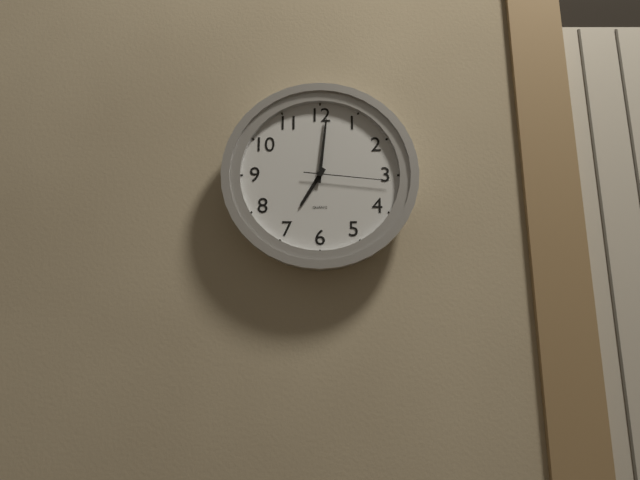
7.01.16
